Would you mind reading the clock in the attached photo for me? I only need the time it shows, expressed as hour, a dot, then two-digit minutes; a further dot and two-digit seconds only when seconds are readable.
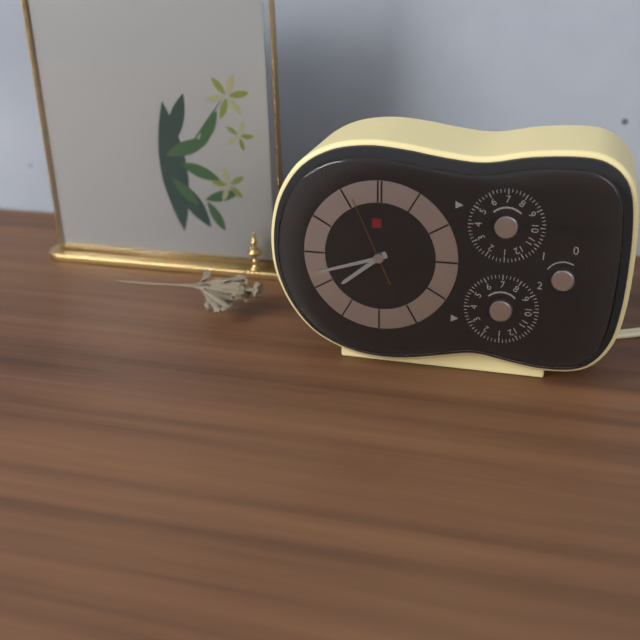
7.42.56
